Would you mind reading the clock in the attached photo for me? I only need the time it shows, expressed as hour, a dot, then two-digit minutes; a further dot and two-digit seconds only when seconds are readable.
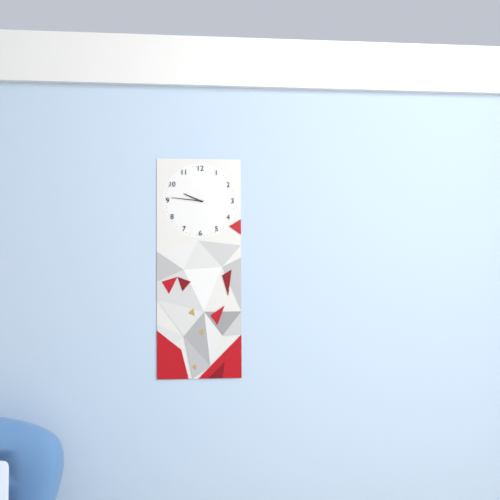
9.46
